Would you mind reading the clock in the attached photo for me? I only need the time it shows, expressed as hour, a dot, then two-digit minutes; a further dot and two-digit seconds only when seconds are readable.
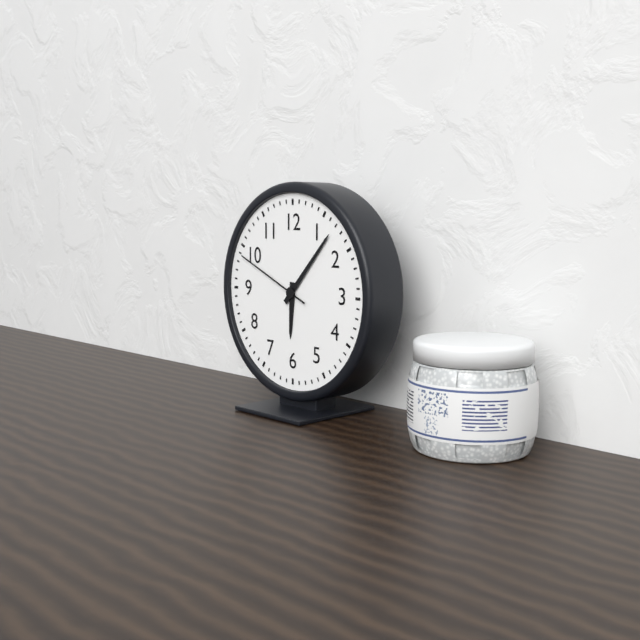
6.07.49
